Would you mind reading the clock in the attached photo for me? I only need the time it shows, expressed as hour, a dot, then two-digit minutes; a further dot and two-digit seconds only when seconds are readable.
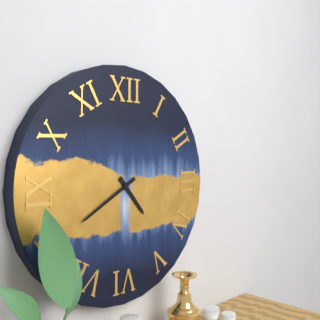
4.40
